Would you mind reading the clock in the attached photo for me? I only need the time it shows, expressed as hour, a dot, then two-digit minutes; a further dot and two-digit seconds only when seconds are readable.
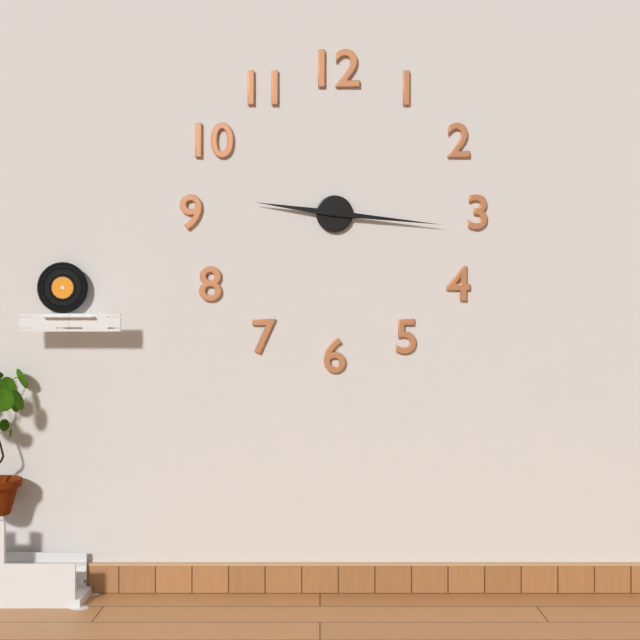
9.16
